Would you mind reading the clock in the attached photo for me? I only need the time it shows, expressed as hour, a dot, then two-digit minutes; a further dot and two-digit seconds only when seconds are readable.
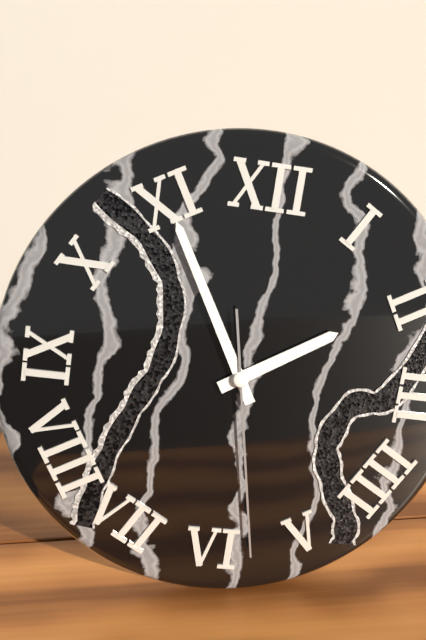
1.55.28
